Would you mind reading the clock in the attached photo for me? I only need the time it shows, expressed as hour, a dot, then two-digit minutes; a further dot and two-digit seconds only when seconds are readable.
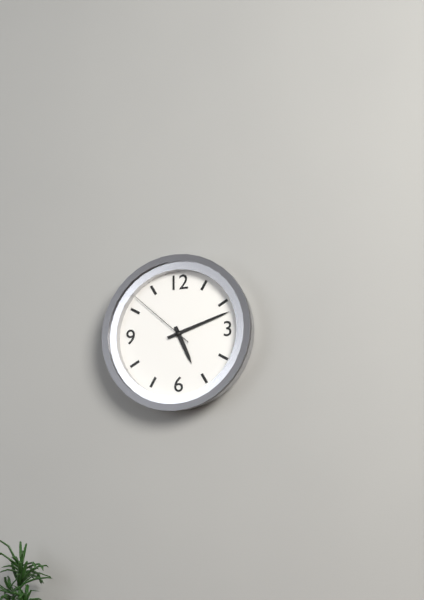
5.12.52
